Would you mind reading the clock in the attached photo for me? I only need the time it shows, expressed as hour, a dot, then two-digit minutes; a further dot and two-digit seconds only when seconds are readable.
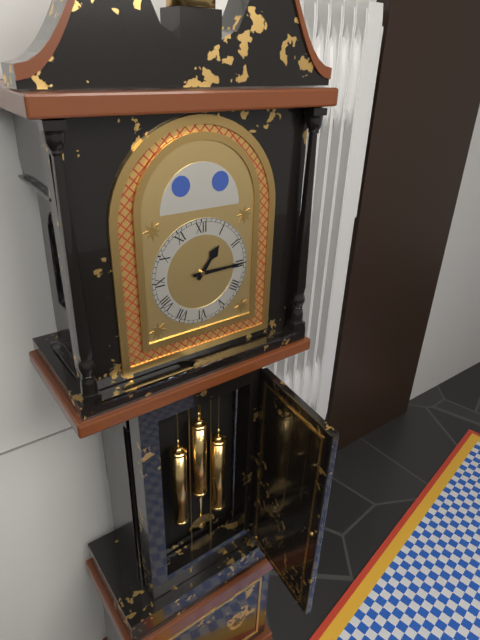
1.15
